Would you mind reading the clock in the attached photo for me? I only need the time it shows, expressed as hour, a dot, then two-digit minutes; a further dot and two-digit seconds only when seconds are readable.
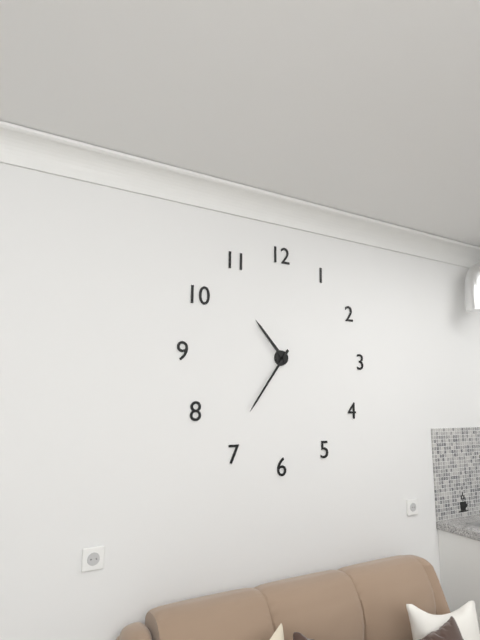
10.36
